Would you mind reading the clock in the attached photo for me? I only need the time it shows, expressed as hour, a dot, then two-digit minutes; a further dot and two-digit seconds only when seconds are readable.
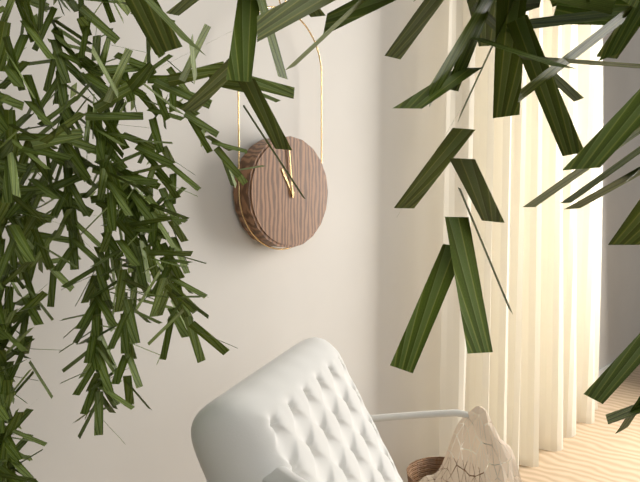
10.59
